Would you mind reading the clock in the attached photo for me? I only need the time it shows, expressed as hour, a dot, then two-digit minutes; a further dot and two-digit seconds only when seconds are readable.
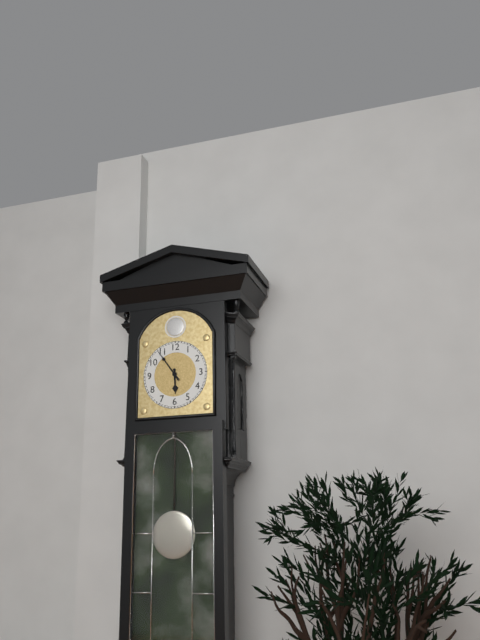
5.54
